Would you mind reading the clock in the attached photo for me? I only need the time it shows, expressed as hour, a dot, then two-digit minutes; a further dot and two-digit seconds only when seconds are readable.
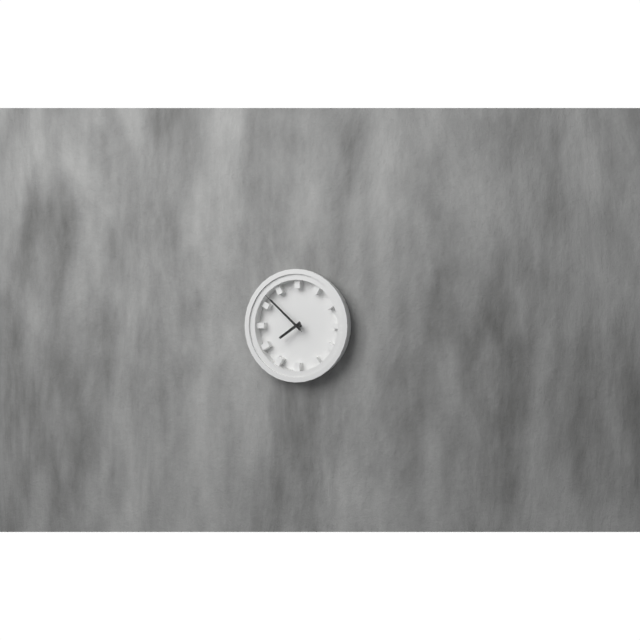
7.52.52
